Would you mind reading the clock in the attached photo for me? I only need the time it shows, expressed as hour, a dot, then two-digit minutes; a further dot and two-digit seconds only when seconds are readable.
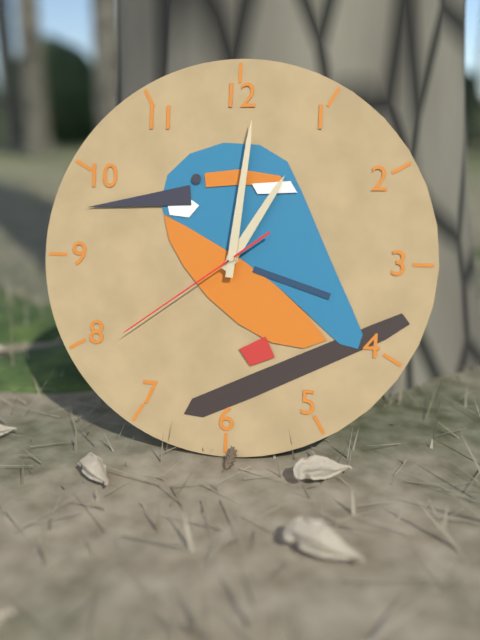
1.01.39
